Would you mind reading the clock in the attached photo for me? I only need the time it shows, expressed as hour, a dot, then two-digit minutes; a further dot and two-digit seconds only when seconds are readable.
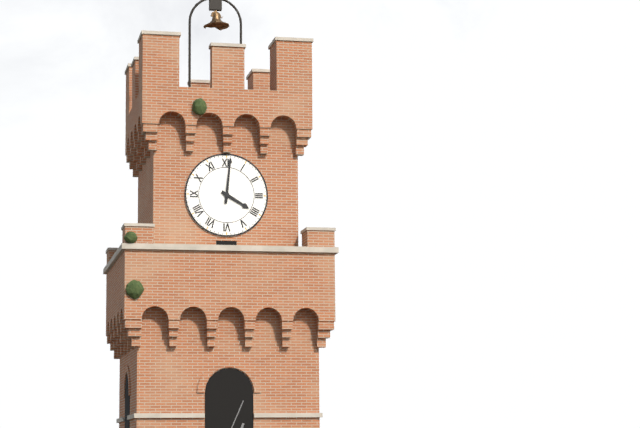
4.01
